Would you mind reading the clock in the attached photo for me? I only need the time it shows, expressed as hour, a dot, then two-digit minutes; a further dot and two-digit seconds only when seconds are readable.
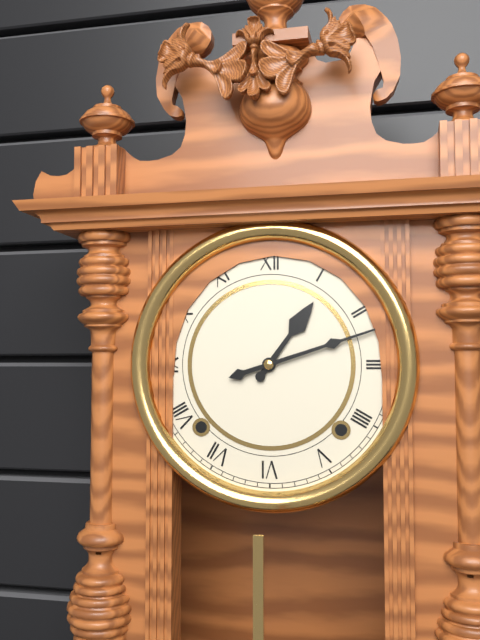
1.12
